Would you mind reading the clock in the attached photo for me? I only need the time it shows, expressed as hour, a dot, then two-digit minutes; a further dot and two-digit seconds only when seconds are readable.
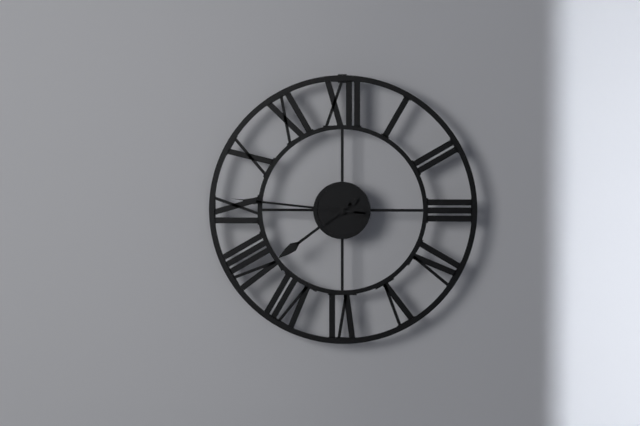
7.46
